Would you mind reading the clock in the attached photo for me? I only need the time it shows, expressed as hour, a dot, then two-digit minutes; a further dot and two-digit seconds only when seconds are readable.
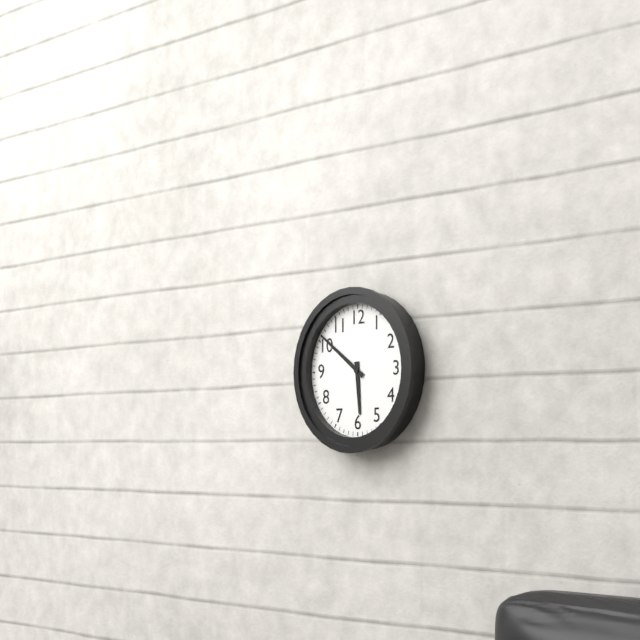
5.51
